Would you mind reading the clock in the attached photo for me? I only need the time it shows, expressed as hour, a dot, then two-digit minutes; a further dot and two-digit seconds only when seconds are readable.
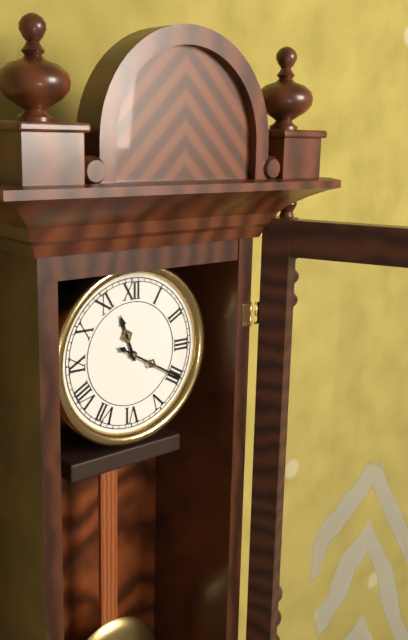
11.20
